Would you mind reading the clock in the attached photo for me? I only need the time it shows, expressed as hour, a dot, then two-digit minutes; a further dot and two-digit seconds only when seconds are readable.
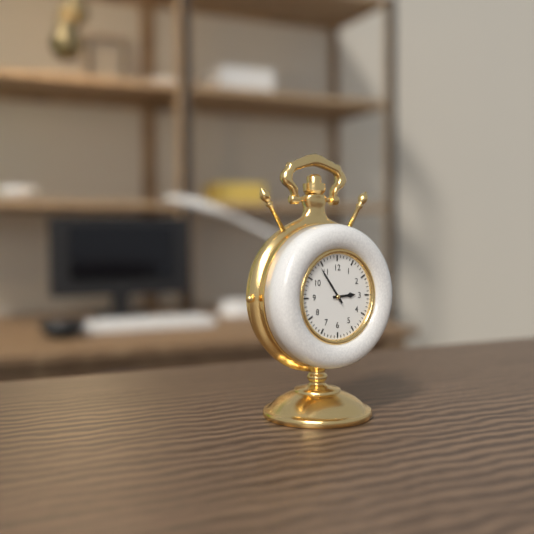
2.54
